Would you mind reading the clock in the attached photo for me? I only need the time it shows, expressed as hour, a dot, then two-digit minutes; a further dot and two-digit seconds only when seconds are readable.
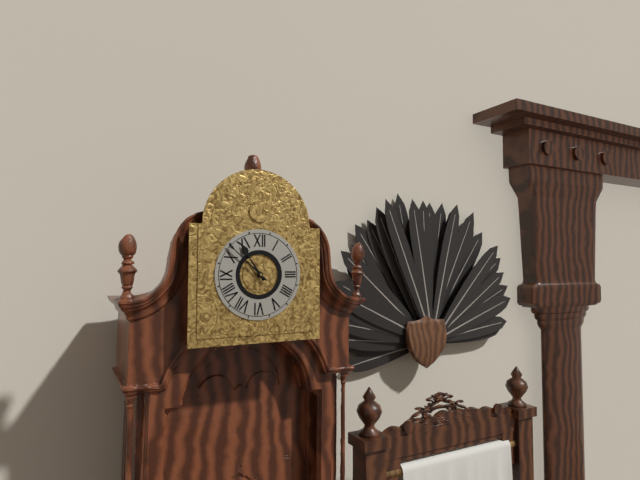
10.52
